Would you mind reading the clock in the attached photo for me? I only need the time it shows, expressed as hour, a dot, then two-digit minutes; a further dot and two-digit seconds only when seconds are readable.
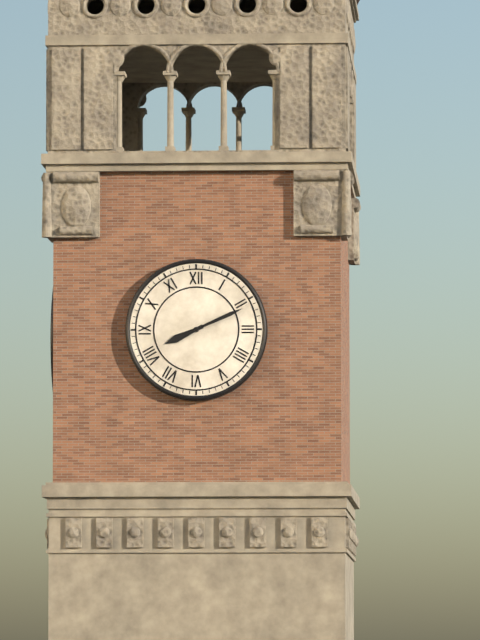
8.11
